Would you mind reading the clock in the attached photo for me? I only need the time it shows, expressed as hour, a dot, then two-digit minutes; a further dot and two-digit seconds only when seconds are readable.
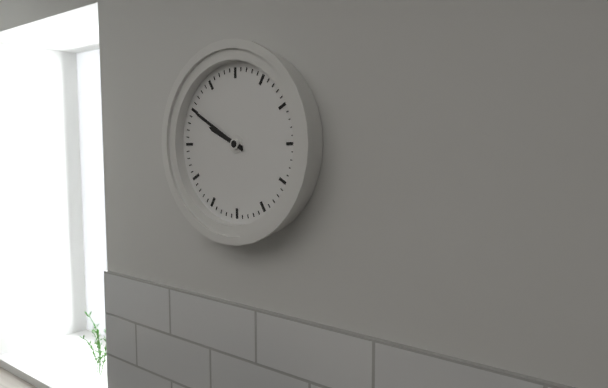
9.50
